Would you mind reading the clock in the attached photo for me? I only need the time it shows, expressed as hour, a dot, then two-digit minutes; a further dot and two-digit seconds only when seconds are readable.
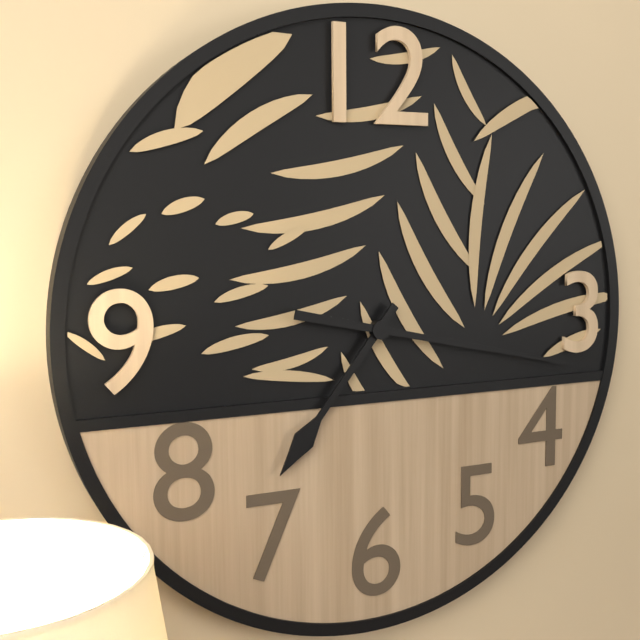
7.17
